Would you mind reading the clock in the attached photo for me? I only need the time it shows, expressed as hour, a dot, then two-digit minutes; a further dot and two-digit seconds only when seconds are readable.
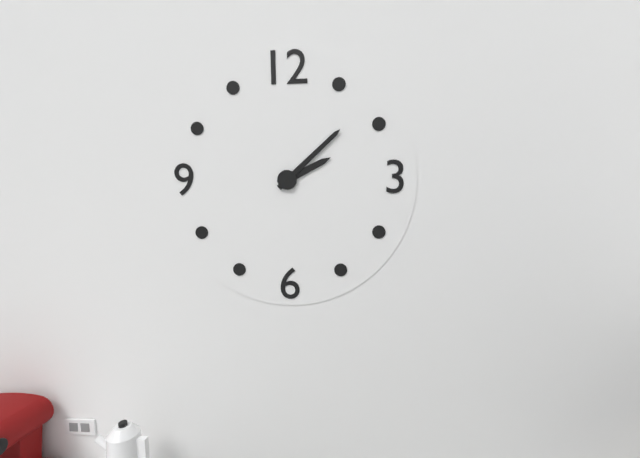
2.08
